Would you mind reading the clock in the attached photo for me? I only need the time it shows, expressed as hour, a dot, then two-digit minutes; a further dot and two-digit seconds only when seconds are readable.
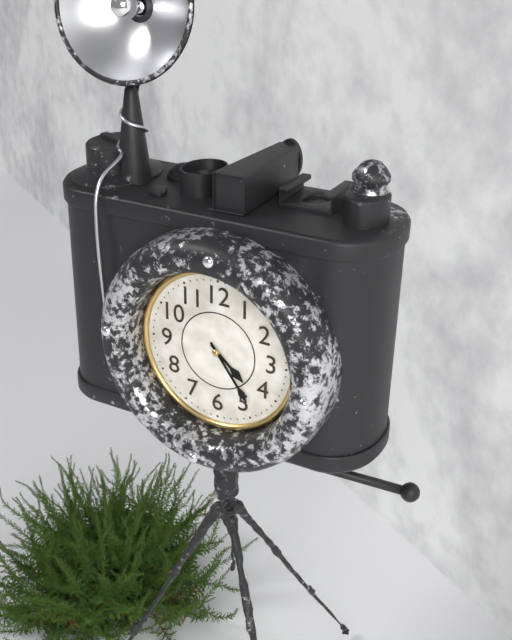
4.24
